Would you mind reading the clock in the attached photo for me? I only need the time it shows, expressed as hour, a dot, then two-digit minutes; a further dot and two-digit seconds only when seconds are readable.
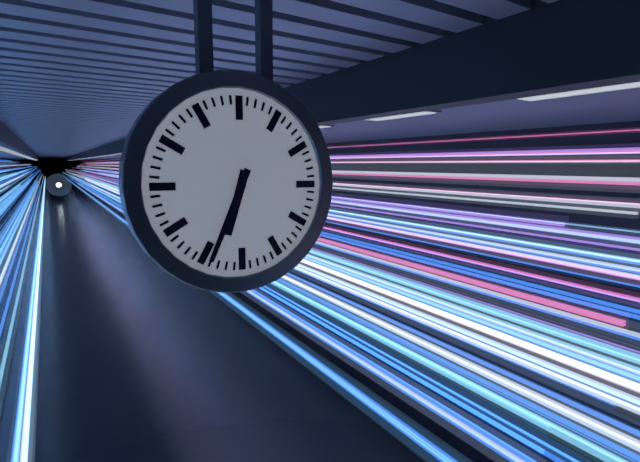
6.34
